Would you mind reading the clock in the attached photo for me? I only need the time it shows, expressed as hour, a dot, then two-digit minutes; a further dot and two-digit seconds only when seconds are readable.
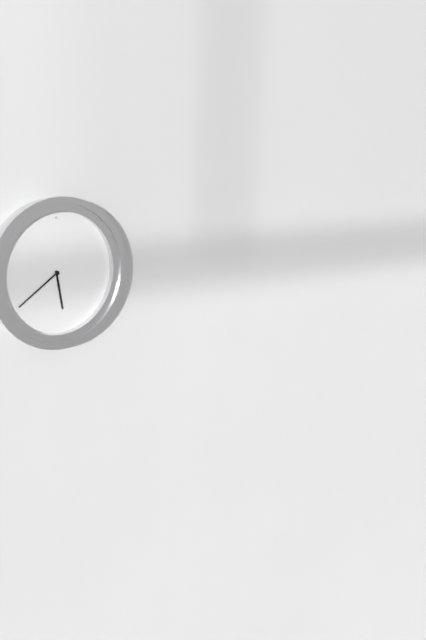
5.39
